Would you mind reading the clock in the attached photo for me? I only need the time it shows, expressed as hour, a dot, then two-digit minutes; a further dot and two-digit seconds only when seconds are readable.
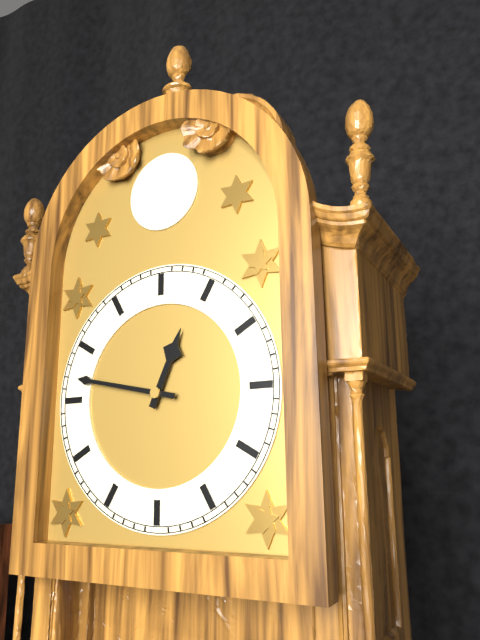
12.47
